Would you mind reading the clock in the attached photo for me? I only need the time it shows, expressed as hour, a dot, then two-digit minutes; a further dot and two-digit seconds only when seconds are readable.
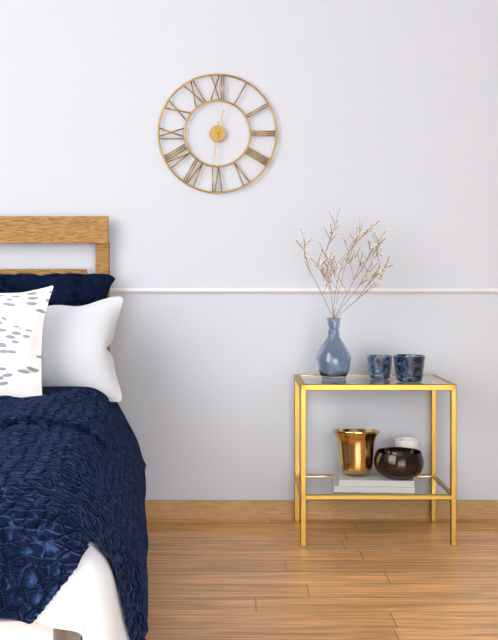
12.31
